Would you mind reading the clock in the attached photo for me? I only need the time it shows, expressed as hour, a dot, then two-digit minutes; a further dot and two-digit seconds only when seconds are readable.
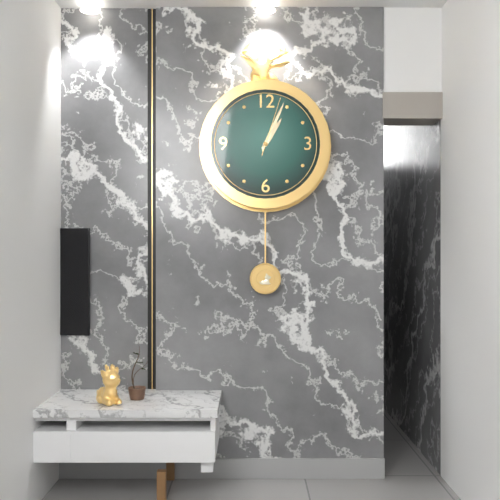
1.04.03
